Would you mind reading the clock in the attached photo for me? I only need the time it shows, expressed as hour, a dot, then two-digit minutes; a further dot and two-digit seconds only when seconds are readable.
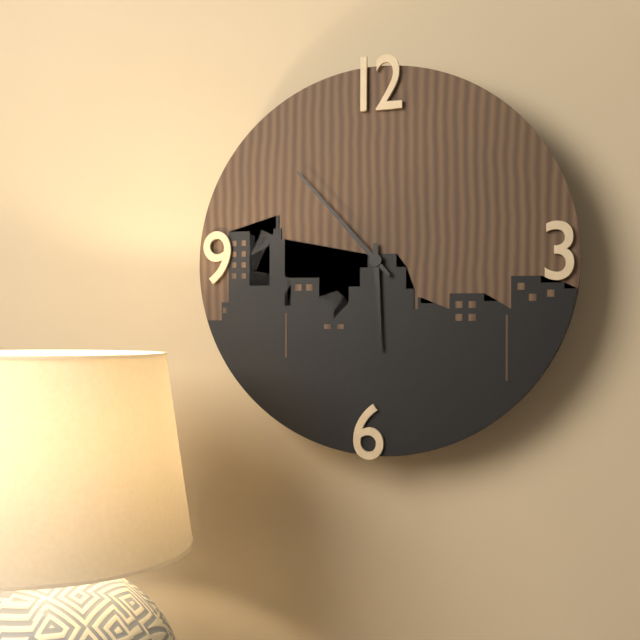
5.53
